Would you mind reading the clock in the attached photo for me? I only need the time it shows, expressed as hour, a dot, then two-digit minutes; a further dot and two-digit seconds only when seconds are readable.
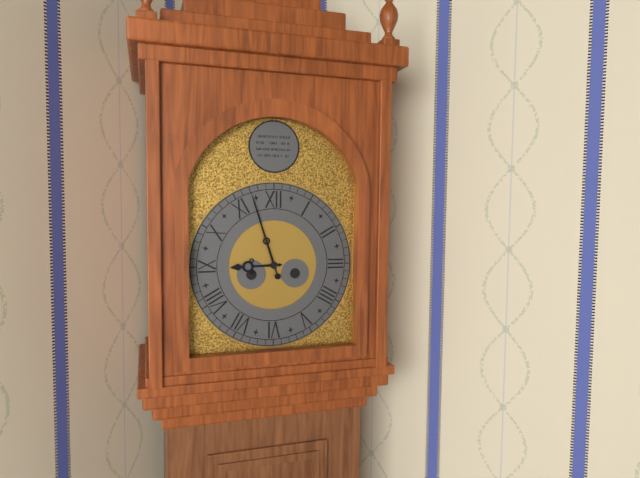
8.57
